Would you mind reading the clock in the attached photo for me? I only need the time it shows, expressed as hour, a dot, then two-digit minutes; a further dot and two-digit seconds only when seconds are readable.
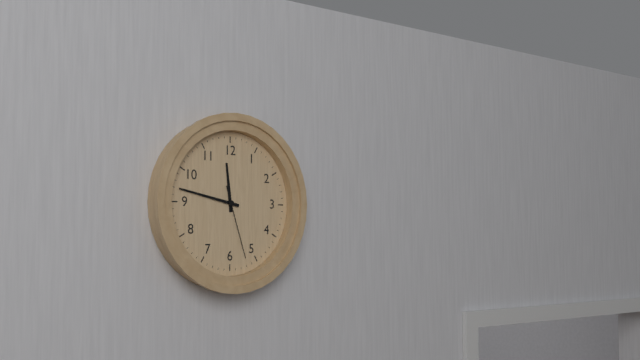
11.47.27
